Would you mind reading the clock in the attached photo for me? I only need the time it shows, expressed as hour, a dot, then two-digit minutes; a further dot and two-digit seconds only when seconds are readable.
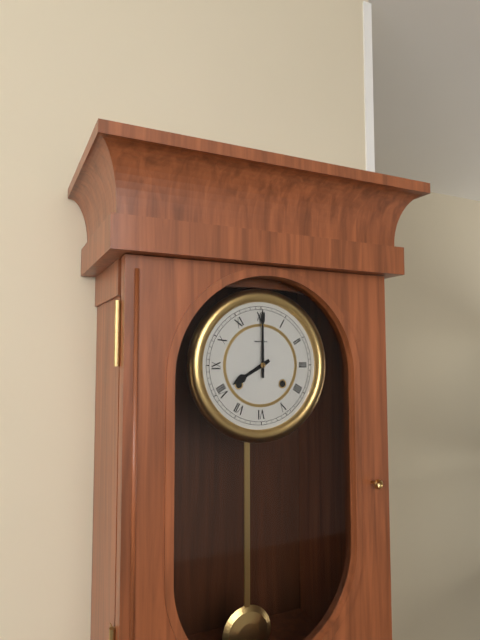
8.00
